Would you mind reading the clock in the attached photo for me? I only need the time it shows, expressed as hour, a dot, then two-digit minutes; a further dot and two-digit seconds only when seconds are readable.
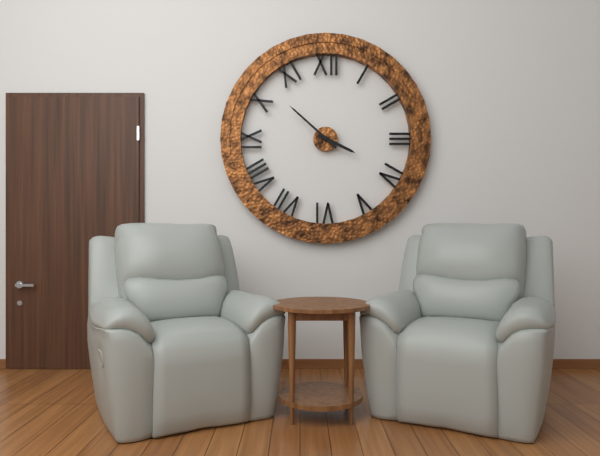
3.52
